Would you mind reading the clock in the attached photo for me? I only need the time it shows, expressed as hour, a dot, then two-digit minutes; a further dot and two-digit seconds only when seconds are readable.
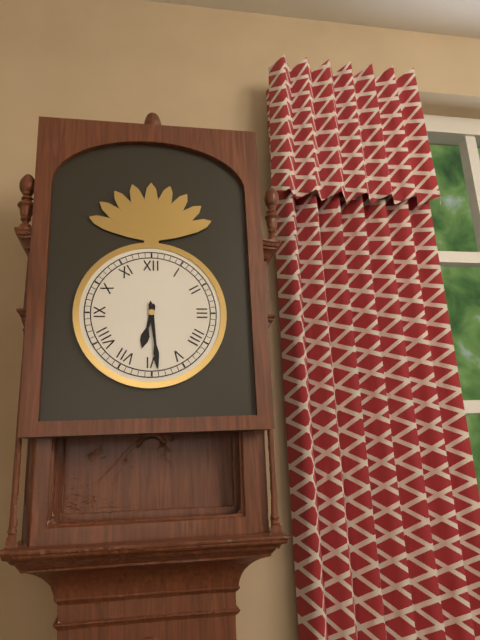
6.29
